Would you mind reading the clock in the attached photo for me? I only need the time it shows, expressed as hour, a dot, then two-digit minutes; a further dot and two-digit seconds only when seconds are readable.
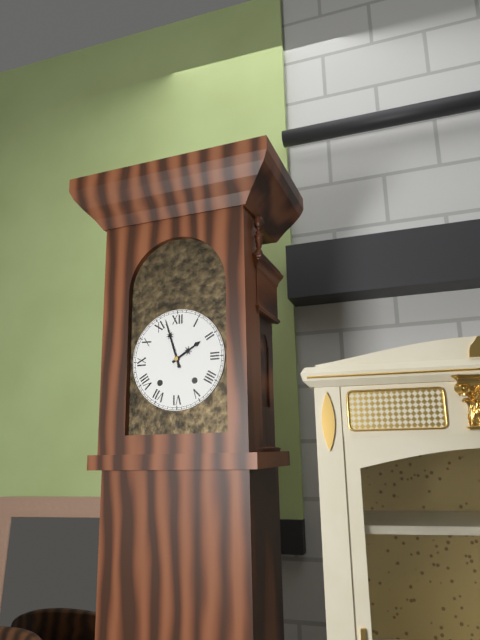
1.57
